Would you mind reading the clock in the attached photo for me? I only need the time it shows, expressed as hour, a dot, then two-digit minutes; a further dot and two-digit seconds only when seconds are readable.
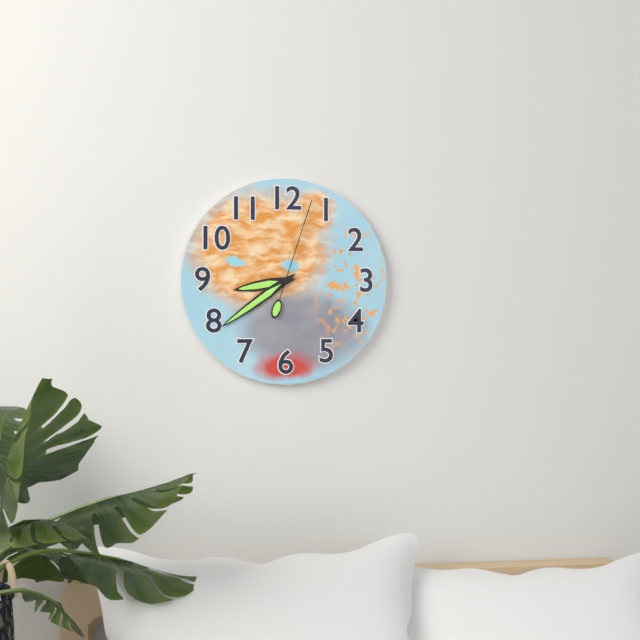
8.39.03
